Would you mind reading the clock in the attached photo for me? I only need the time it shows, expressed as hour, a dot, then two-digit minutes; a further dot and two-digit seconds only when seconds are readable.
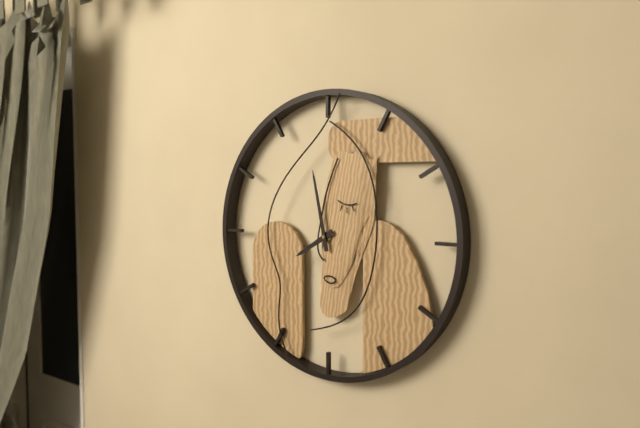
7.58
